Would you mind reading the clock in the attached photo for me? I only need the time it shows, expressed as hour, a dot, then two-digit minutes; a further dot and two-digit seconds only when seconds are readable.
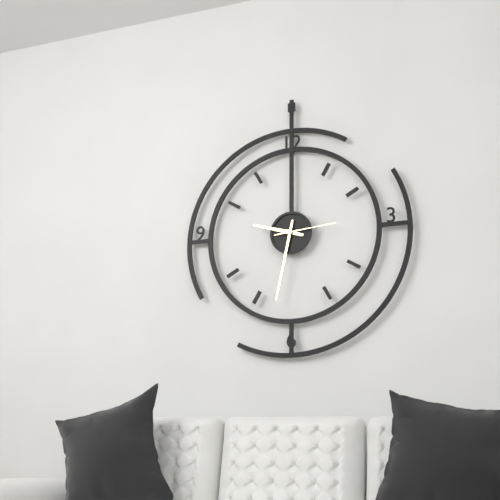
9.32.14
